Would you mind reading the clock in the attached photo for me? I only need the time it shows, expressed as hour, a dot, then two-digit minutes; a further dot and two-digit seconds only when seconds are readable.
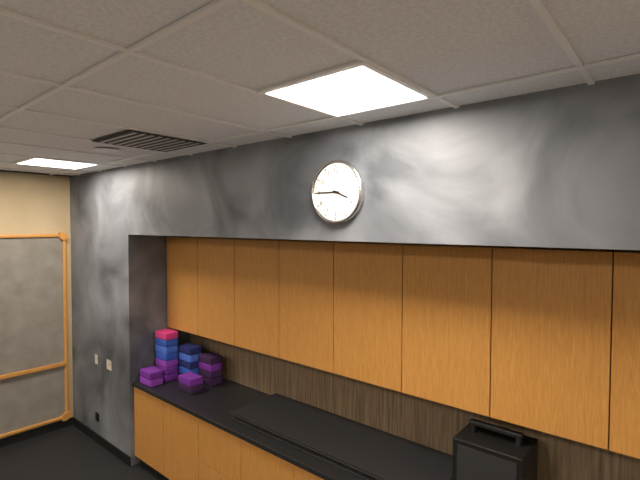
3.45
